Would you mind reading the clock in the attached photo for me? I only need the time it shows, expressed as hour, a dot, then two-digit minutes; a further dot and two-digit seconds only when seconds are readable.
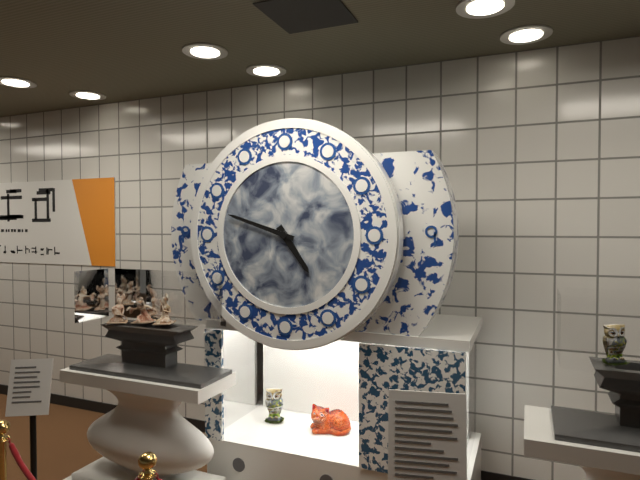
4.48
